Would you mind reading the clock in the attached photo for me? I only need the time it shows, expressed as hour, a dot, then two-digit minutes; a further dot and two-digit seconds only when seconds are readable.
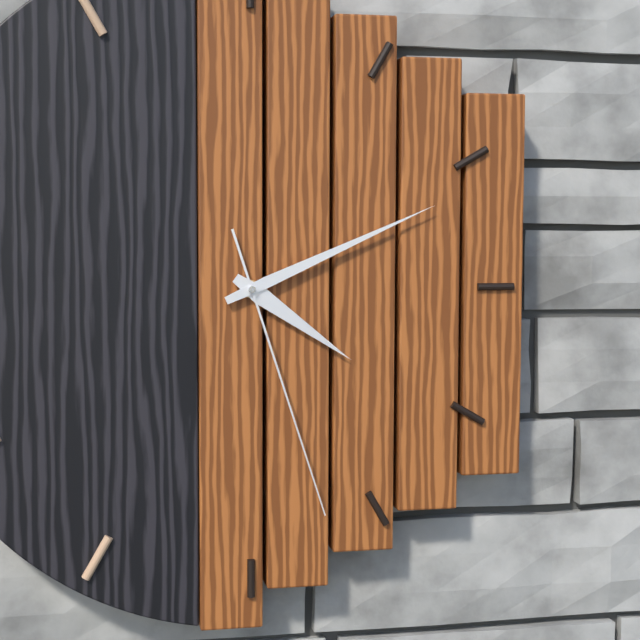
4.11.27
